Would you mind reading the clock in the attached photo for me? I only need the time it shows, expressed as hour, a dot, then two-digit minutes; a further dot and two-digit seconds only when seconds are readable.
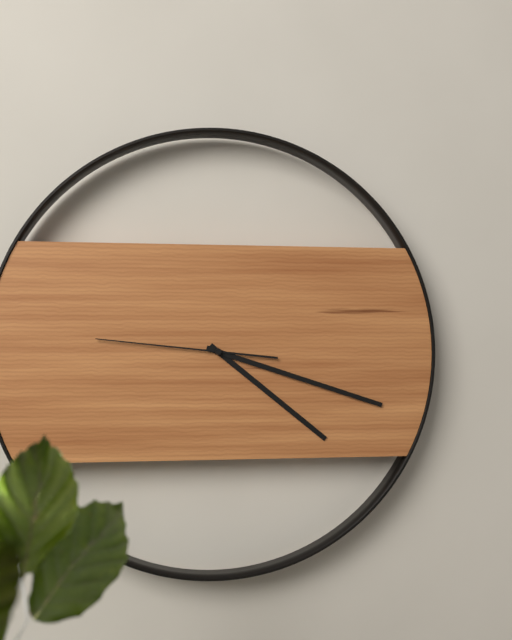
4.18.46
